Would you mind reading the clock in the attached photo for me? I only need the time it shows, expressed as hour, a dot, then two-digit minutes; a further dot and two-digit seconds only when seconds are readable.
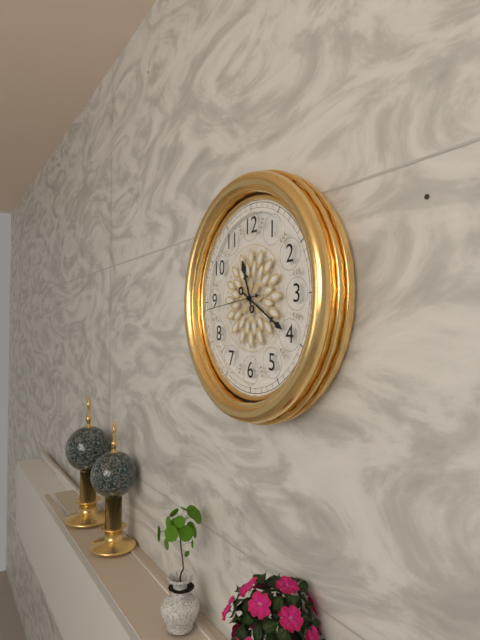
11.20.44
